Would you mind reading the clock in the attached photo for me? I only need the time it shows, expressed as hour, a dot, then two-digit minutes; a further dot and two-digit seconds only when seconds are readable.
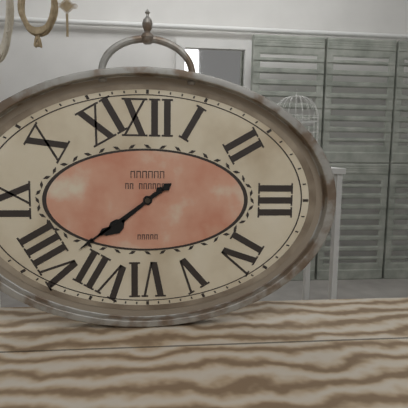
7.39
